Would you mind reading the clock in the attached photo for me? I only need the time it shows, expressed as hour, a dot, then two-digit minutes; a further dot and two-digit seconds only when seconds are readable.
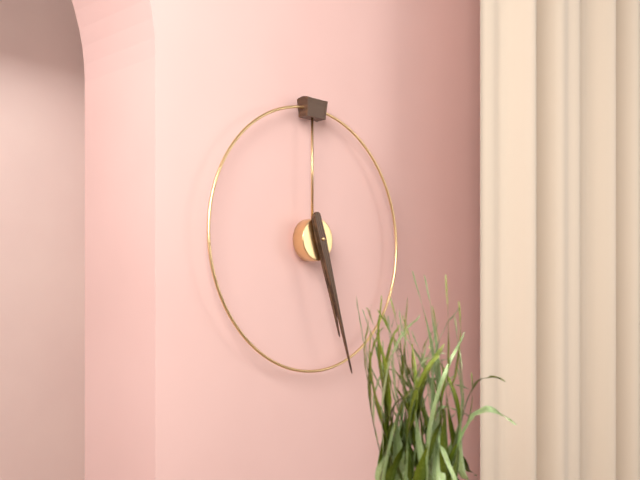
5.27
